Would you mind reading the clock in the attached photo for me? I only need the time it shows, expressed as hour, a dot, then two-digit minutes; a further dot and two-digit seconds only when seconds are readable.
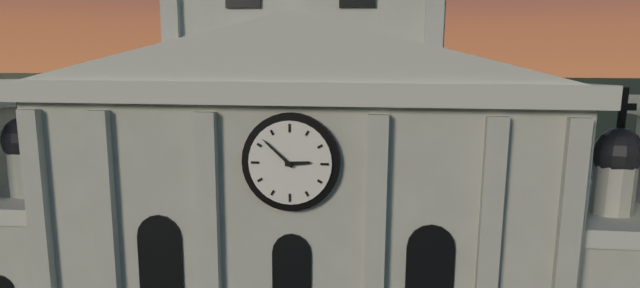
2.52
